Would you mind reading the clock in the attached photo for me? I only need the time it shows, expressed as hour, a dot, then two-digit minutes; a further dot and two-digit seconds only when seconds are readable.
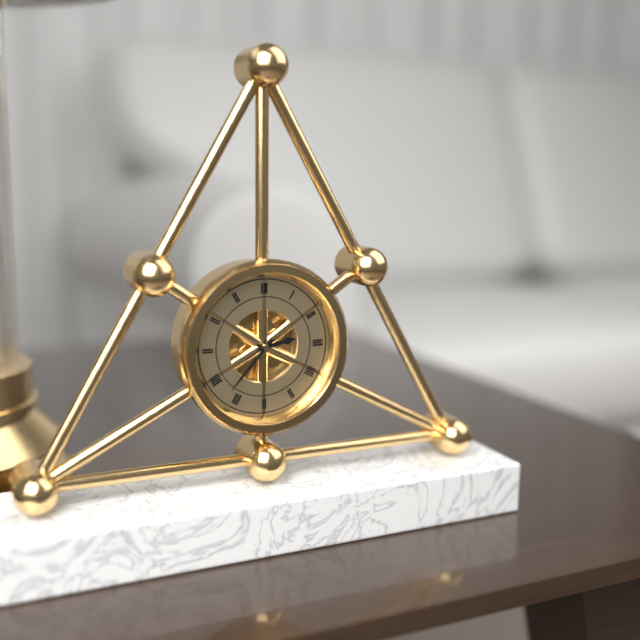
2.37
